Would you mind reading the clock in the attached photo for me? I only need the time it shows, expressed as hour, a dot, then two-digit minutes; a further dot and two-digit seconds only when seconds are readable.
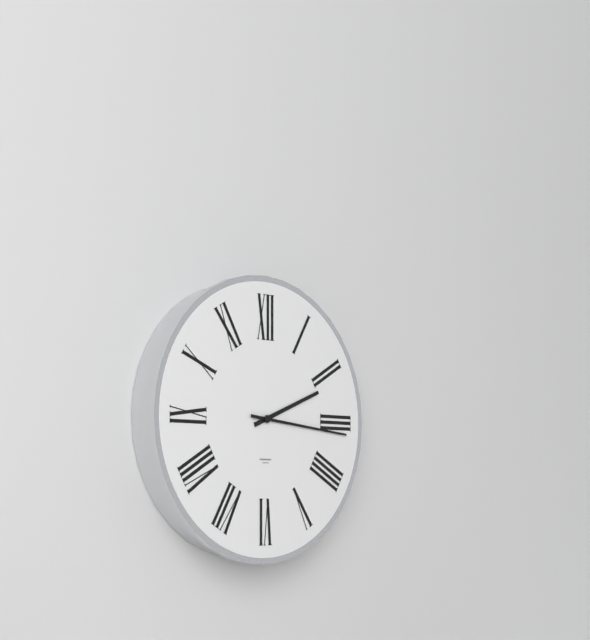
2.16
